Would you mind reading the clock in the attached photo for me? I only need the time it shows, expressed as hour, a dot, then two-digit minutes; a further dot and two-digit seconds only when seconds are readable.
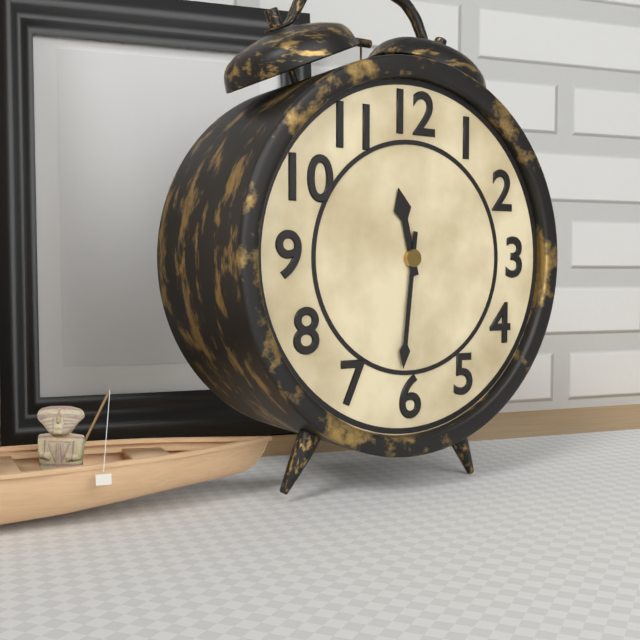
11.31
